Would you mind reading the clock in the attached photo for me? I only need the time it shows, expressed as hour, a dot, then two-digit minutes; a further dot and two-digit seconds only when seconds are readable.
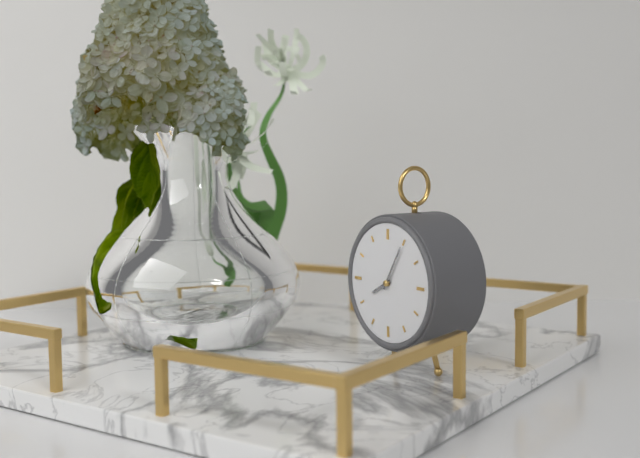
8.05
